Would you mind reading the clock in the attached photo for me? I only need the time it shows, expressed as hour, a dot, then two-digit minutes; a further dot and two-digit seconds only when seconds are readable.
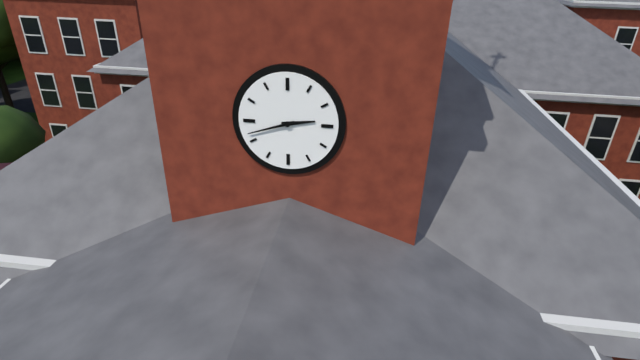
2.42
